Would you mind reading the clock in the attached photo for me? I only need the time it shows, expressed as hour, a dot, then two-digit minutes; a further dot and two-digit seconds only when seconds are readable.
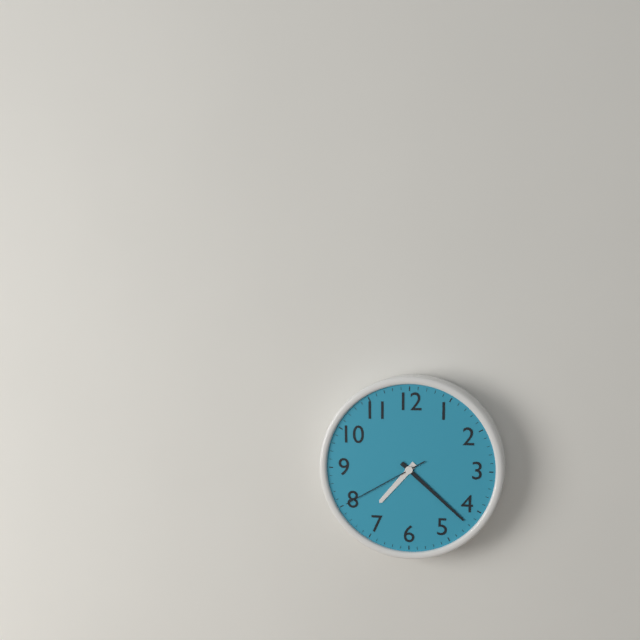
7.22.40
